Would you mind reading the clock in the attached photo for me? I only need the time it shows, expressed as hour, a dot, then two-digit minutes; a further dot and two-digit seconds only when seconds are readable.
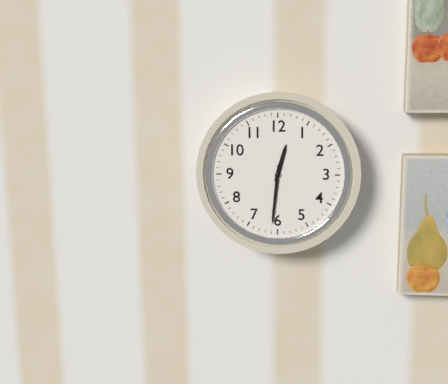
12.31
